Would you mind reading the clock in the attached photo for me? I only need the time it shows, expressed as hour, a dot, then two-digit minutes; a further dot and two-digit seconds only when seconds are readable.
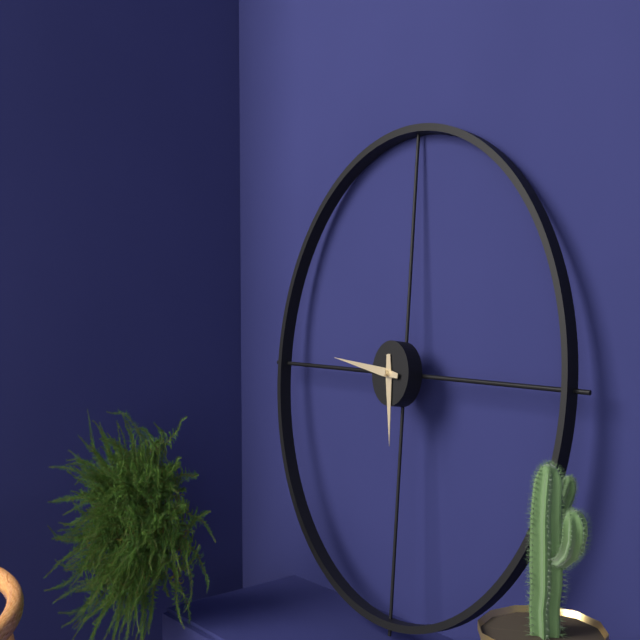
5.46
